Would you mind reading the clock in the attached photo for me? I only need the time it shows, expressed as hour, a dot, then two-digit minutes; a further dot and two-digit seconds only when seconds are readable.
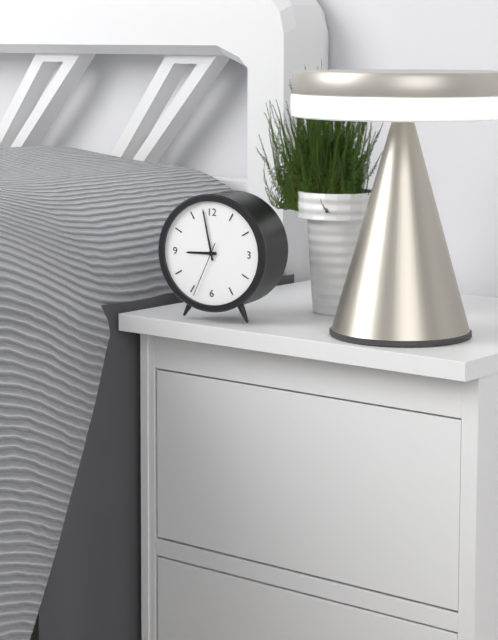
8.58.34
